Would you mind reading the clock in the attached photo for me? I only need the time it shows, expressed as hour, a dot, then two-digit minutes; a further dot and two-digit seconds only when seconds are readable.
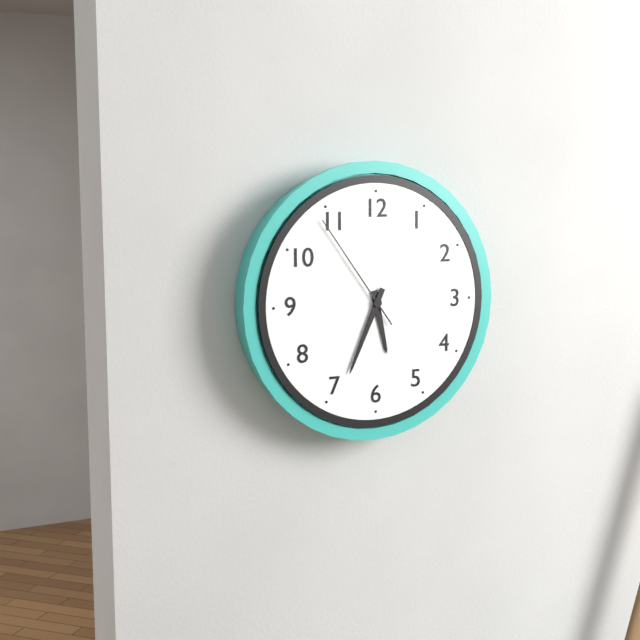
5.34.54
